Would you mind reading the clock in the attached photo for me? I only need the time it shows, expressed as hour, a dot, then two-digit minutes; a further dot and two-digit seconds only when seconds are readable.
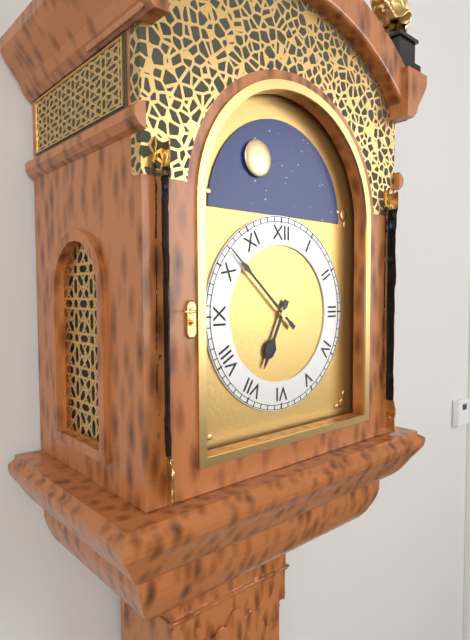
6.52
